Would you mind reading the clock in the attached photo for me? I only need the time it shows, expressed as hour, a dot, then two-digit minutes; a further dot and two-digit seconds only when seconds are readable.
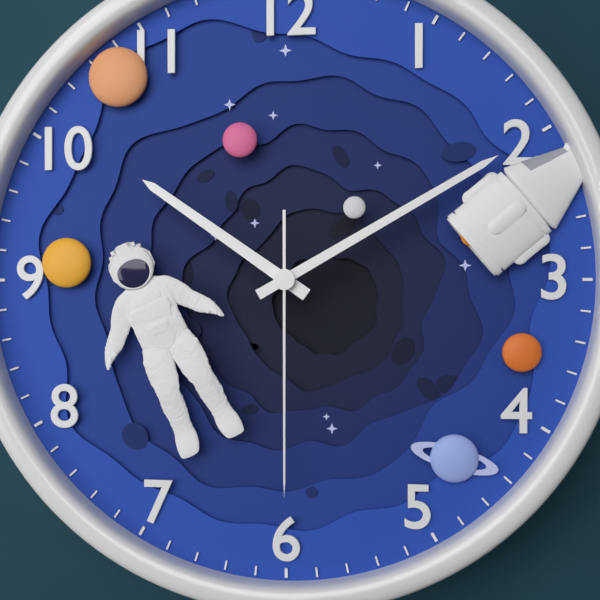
10.10.30
